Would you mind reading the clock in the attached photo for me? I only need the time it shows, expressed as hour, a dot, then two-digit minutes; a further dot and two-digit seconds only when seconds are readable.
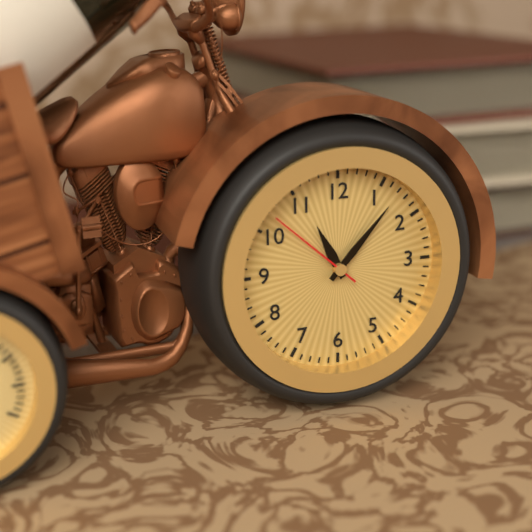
11.07.52
